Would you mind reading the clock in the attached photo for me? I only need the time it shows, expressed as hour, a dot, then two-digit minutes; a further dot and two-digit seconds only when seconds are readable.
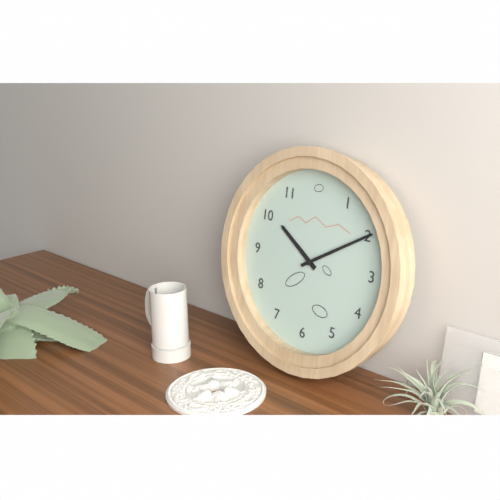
10.10
